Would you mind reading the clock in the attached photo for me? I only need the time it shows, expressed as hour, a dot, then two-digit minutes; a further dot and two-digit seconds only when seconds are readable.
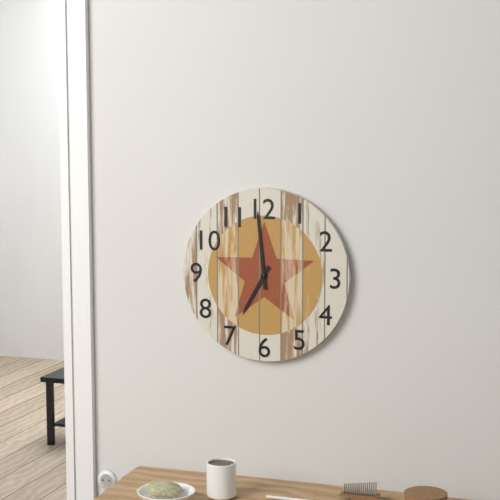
6.59
